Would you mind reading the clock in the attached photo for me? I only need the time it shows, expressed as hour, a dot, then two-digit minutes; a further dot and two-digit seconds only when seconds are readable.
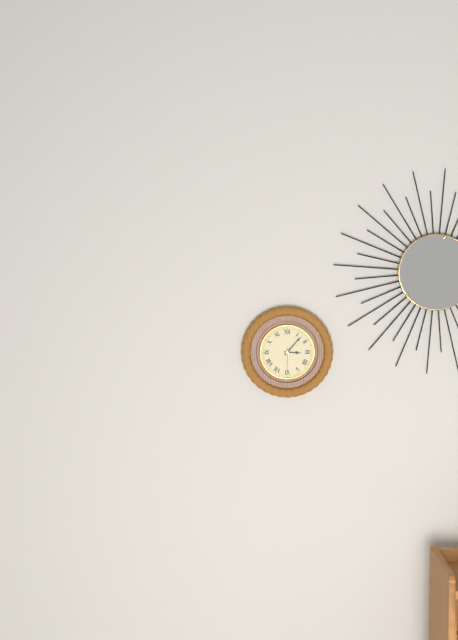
3.07
